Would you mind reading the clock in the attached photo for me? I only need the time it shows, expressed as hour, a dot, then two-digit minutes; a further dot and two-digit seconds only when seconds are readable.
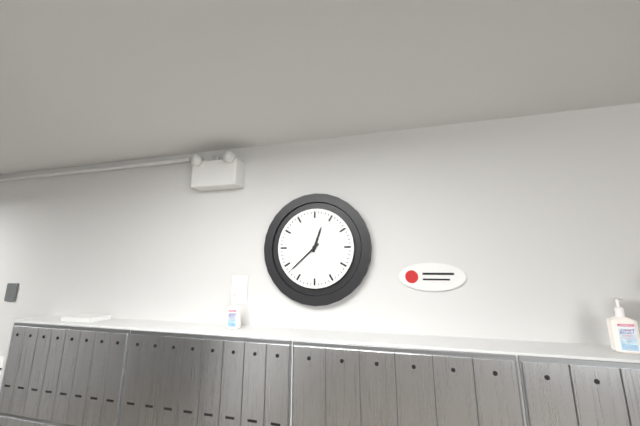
12.38
